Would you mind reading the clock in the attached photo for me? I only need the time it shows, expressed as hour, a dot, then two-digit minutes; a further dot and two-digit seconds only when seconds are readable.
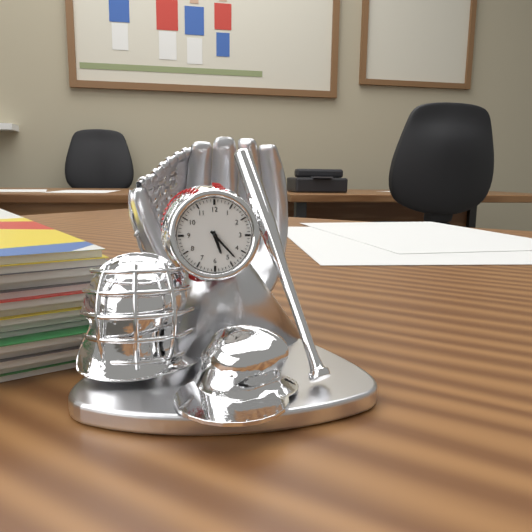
5.23
